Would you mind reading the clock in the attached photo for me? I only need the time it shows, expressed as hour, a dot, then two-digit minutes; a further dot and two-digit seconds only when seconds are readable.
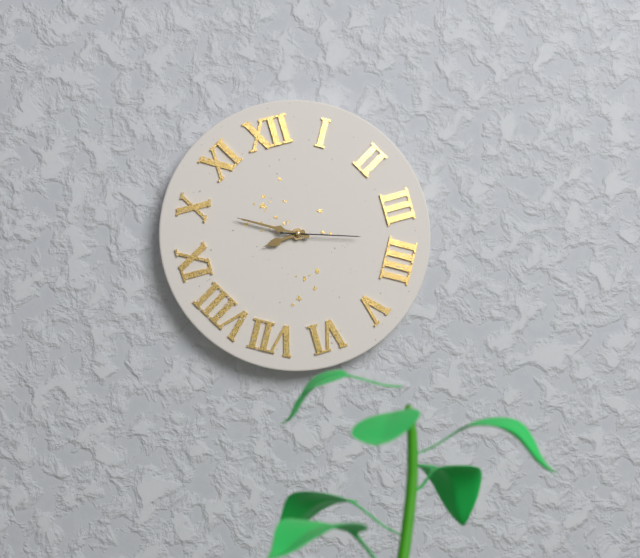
8.50.18
